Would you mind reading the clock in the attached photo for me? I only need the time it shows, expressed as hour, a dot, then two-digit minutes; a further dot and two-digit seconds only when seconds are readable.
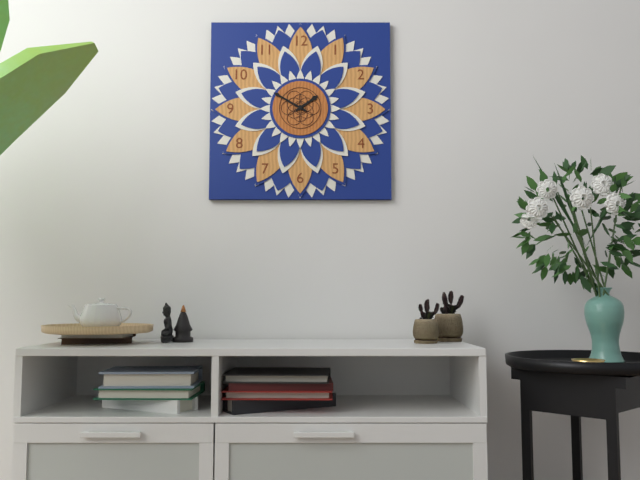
1.50
